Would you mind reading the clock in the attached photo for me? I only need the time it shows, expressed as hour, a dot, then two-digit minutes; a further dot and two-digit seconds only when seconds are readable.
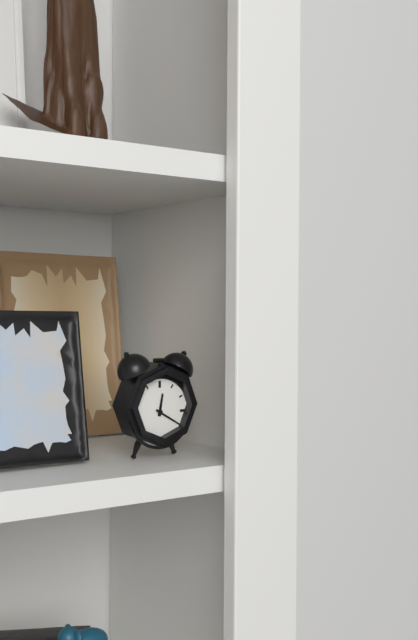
12.20
